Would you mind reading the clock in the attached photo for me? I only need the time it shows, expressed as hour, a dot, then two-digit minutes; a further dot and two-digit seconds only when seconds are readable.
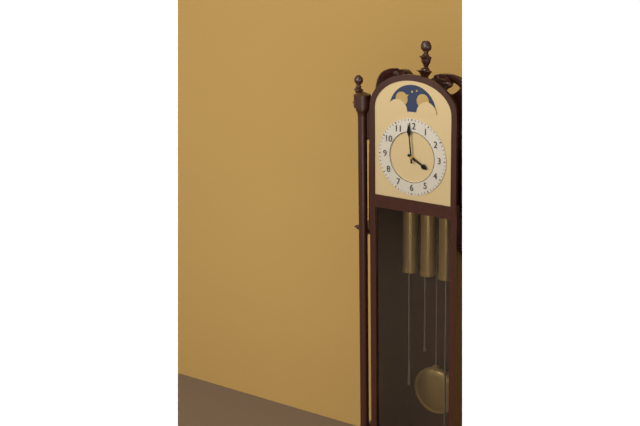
3.59
